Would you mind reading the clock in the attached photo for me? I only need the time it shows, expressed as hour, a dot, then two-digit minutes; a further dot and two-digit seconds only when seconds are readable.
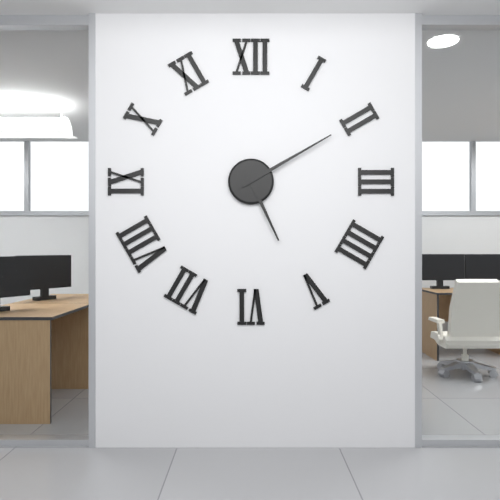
5.10
